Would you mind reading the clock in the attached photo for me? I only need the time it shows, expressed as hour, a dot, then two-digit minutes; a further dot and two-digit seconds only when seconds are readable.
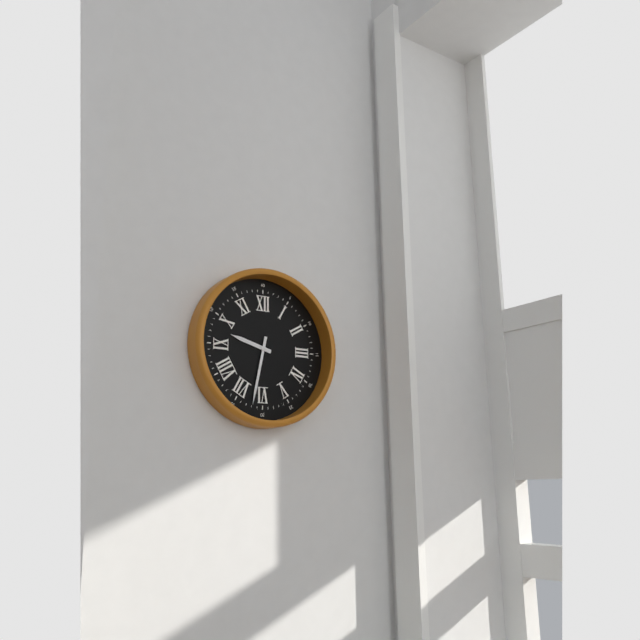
9.32
